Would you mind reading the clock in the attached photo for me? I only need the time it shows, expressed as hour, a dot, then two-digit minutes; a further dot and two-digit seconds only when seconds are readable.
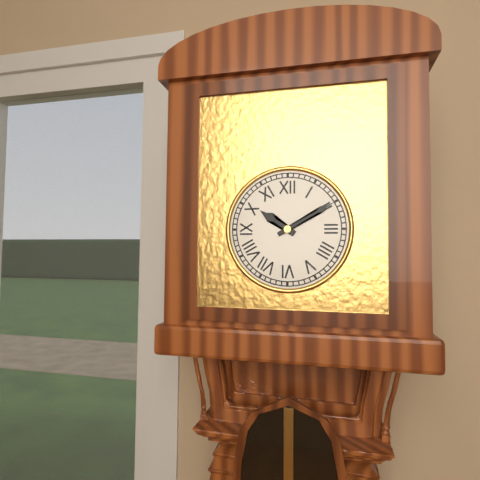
10.10
